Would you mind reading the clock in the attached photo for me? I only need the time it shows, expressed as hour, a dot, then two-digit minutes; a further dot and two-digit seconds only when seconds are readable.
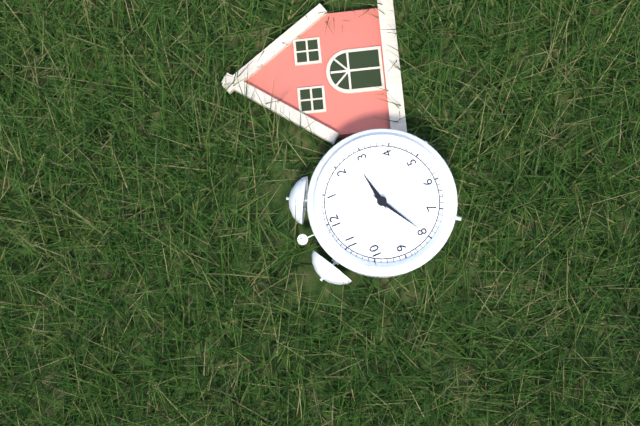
2.40
